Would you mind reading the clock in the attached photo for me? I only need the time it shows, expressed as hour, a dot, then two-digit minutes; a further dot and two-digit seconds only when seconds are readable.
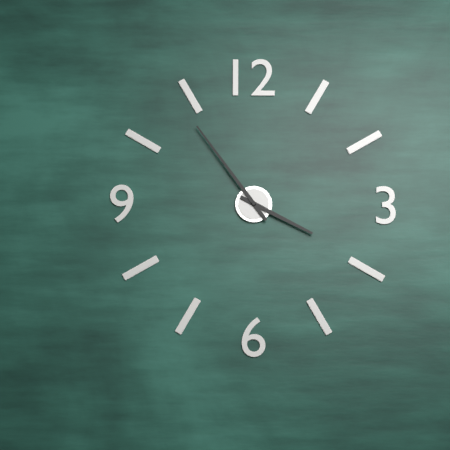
3.54
